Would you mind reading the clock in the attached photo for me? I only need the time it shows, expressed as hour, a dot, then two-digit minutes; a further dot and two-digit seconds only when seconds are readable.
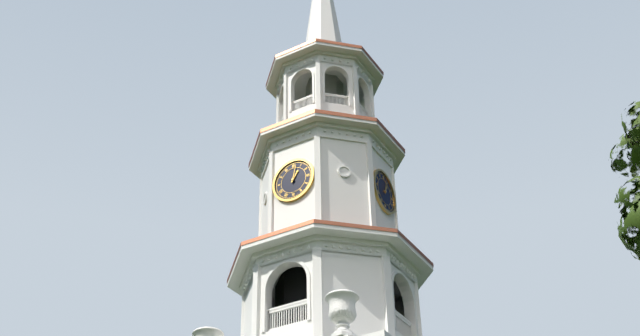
1.02
